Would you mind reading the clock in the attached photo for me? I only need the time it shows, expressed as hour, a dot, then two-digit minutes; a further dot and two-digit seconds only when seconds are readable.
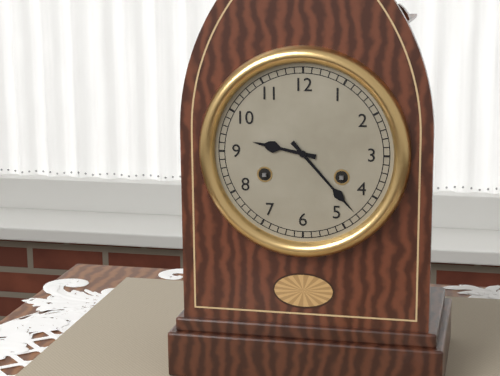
9.23
